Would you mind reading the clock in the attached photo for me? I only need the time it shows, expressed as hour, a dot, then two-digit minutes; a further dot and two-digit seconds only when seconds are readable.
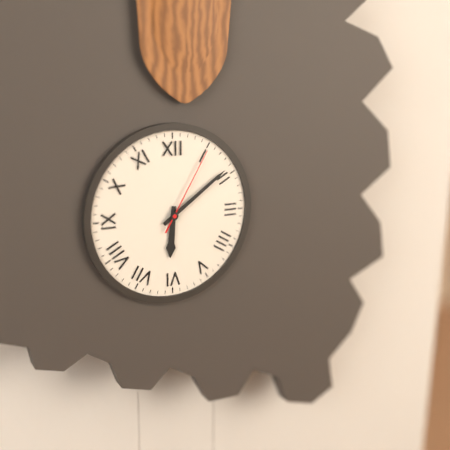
6.09.05
